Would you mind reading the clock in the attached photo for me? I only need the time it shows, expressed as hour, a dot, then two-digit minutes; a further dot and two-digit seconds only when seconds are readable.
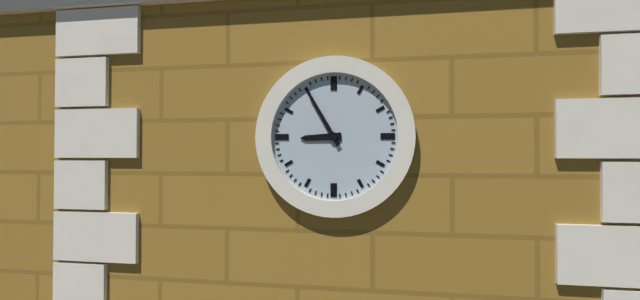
8.55
